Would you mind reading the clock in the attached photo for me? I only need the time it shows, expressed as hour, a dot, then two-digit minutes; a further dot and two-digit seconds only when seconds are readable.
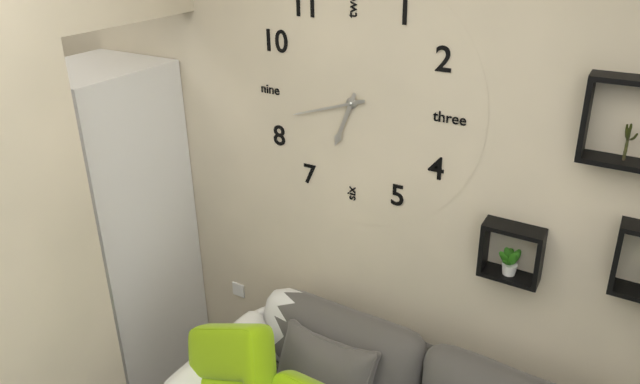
6.42
